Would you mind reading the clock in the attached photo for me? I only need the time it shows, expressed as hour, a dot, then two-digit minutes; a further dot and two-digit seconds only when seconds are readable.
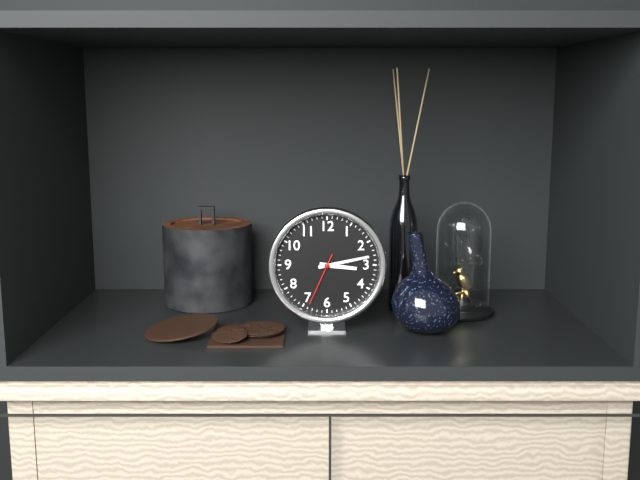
3.13.34
